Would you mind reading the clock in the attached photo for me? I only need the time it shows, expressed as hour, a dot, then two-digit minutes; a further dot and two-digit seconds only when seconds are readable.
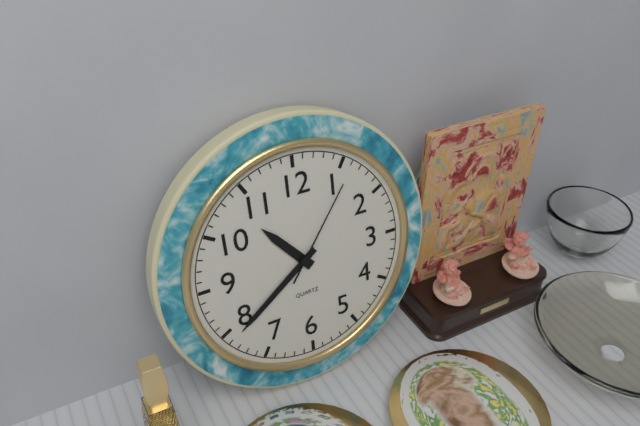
10.39.06
